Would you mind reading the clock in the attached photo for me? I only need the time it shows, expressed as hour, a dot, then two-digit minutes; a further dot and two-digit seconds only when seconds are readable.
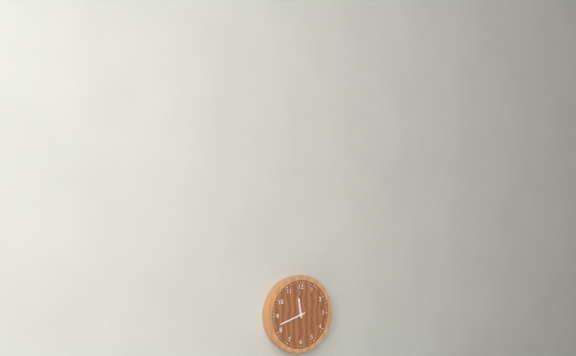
11.42
